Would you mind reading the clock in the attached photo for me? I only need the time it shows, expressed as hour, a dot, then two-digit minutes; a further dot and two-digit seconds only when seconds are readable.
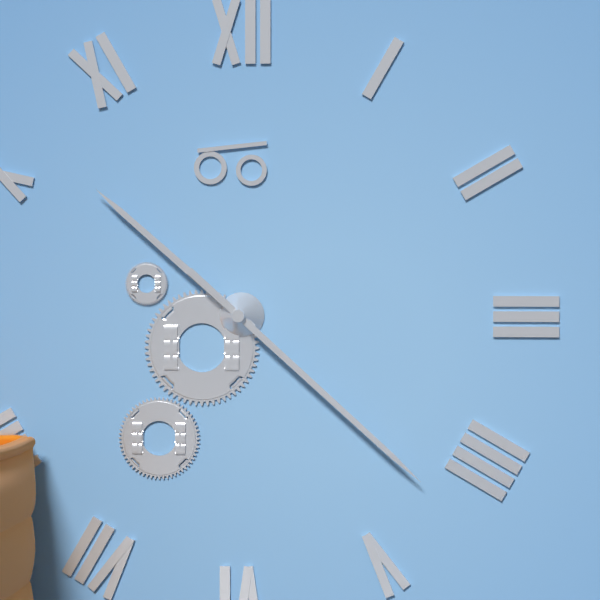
10.22
